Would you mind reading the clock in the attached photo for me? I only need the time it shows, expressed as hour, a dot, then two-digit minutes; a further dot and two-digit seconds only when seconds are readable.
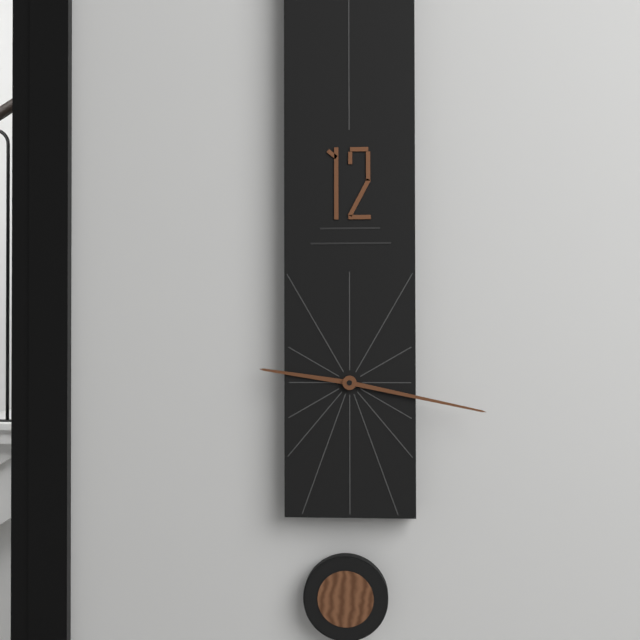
9.17
